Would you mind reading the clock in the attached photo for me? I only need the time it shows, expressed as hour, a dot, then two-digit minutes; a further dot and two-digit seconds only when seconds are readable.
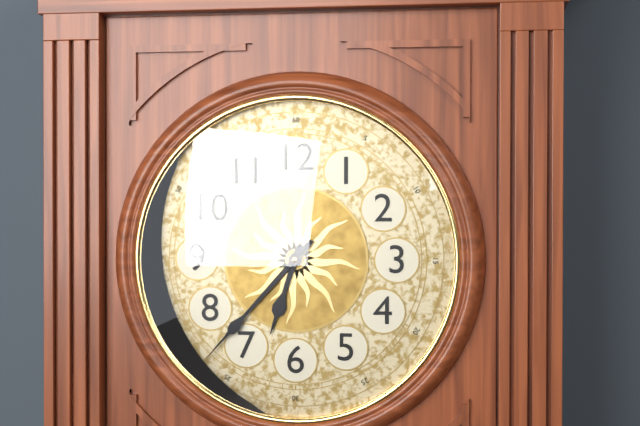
6.37
